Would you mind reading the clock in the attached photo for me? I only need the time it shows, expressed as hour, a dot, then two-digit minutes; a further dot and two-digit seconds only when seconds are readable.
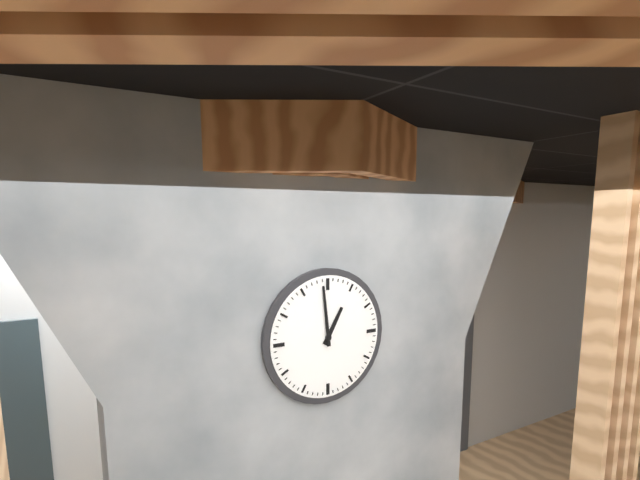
12.59
